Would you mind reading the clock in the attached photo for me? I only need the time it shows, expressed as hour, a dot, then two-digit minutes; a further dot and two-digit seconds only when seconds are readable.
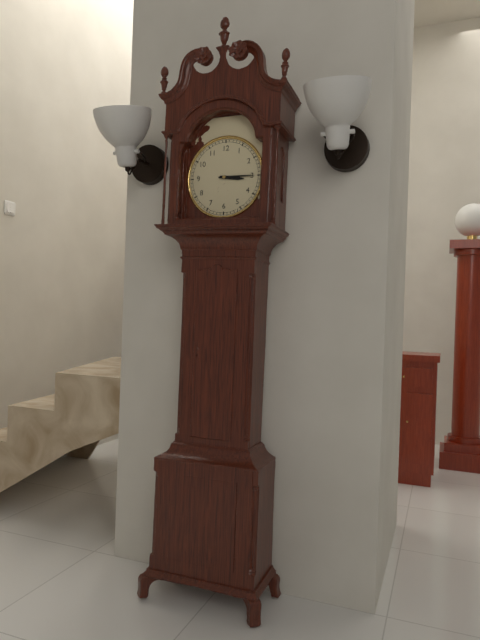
3.15
